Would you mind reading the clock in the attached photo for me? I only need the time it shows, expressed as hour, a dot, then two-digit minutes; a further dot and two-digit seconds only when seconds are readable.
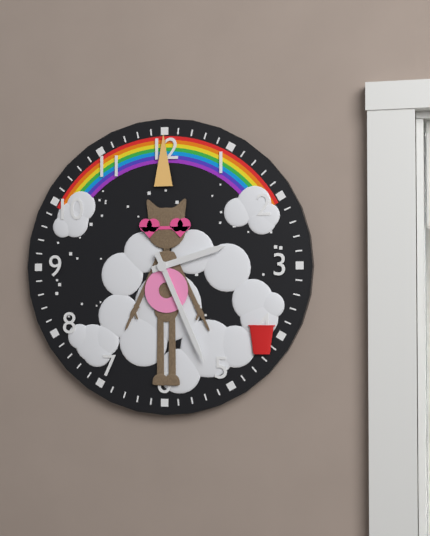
2.26
